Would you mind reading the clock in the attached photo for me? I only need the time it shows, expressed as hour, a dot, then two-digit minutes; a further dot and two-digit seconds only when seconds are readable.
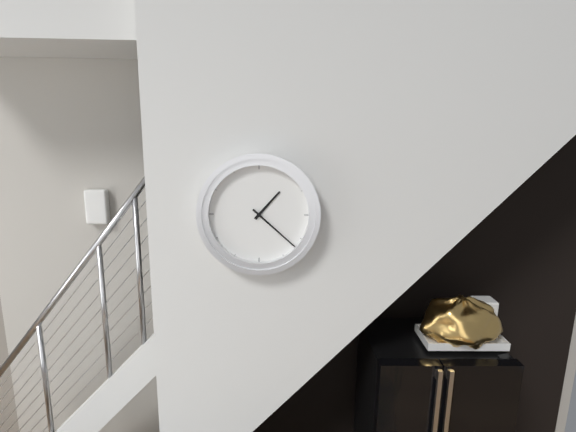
1.22
